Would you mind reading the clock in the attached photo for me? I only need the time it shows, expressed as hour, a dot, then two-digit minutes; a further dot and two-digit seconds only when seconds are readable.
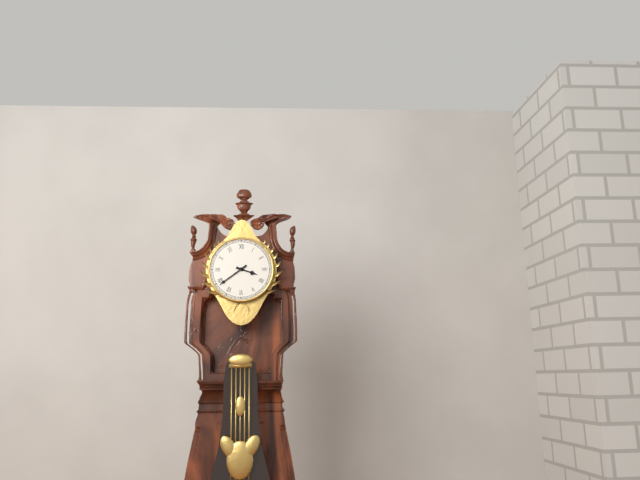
3.39
